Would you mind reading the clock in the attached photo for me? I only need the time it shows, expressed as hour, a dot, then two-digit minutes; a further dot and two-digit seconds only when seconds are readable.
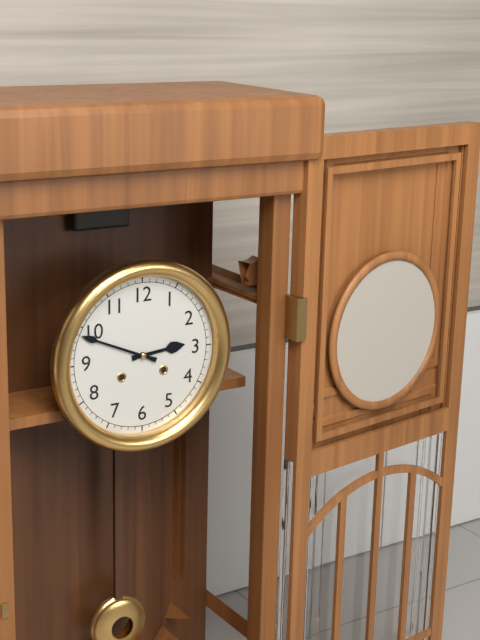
2.49
